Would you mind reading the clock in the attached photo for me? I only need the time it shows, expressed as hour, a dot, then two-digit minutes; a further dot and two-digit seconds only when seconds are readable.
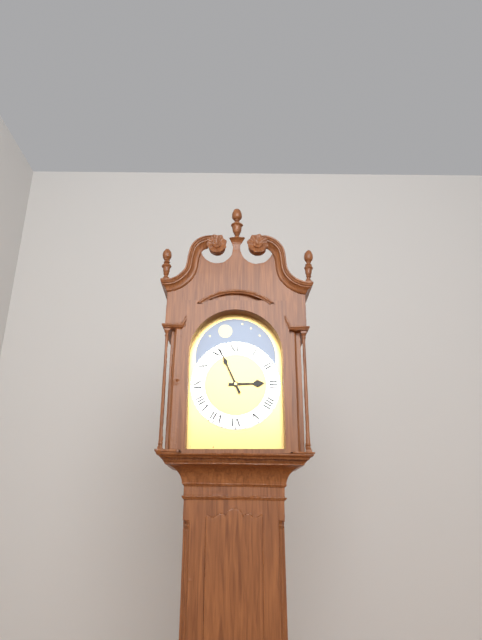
2.56
